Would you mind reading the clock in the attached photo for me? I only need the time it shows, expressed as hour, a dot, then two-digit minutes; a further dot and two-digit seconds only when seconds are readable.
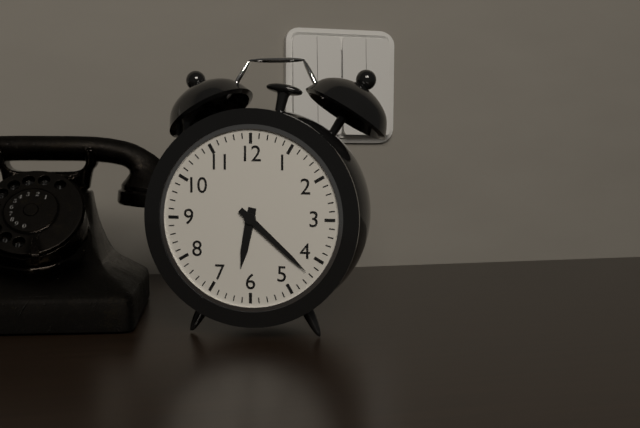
6.22
